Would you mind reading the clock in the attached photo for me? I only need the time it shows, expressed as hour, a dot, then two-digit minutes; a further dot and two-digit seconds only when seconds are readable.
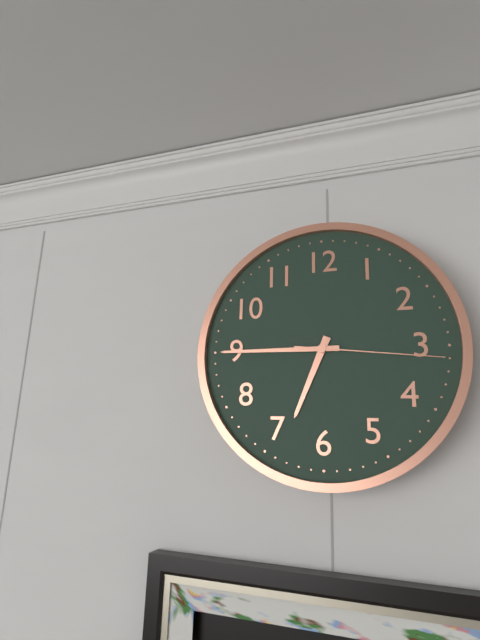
6.45.16
